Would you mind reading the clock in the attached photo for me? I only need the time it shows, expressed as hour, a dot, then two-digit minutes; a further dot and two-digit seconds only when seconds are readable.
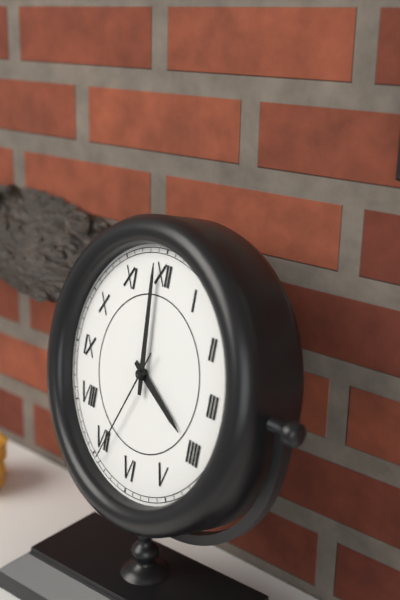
3.59.34
